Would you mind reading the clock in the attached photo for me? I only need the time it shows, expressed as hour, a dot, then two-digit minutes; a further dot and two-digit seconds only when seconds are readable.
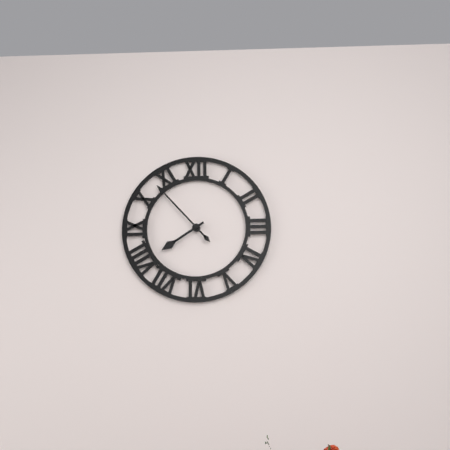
7.53
